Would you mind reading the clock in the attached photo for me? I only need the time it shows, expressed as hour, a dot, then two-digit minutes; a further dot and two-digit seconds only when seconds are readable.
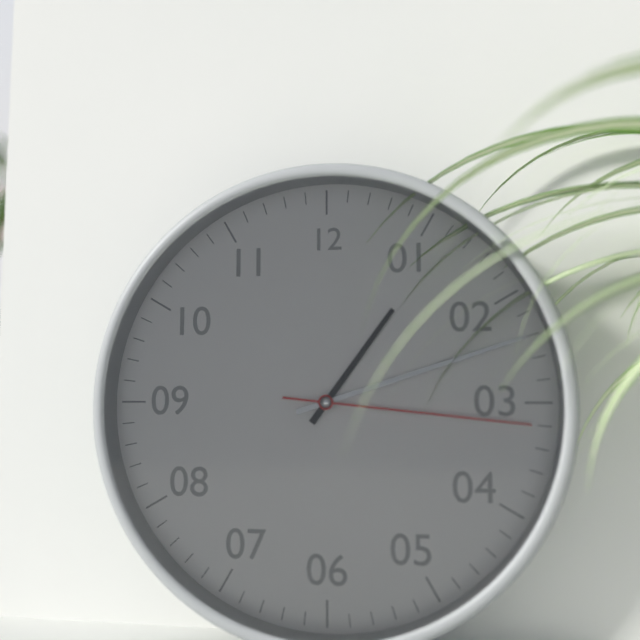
1.12.16
